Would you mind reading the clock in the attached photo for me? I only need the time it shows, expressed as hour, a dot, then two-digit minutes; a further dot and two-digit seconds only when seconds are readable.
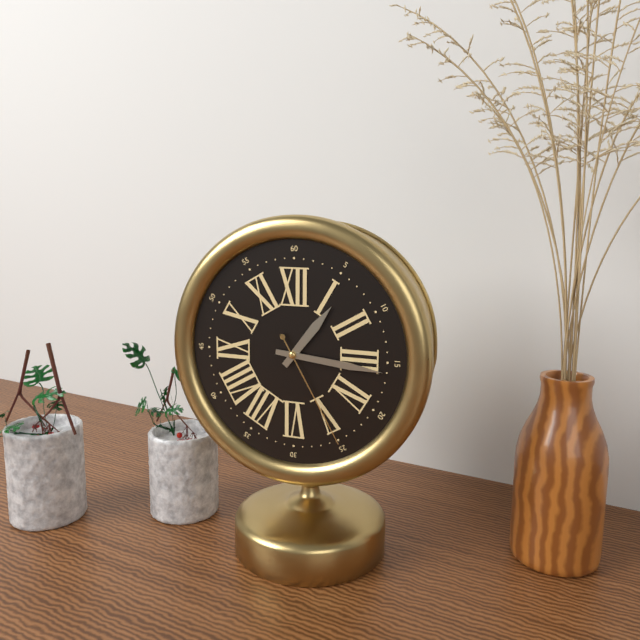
1.16.25
